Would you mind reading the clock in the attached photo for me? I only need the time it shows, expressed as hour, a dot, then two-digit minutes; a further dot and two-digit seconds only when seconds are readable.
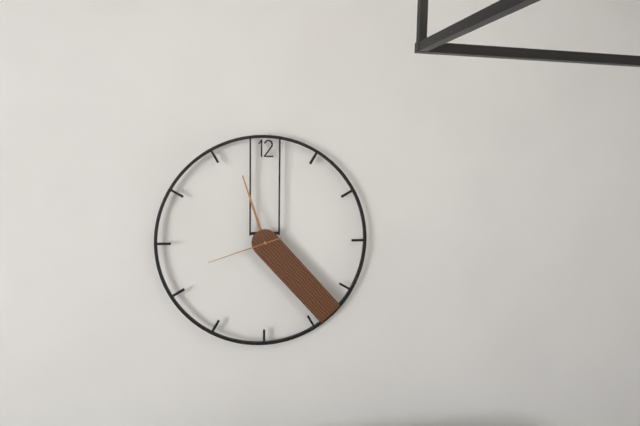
11.23.42
